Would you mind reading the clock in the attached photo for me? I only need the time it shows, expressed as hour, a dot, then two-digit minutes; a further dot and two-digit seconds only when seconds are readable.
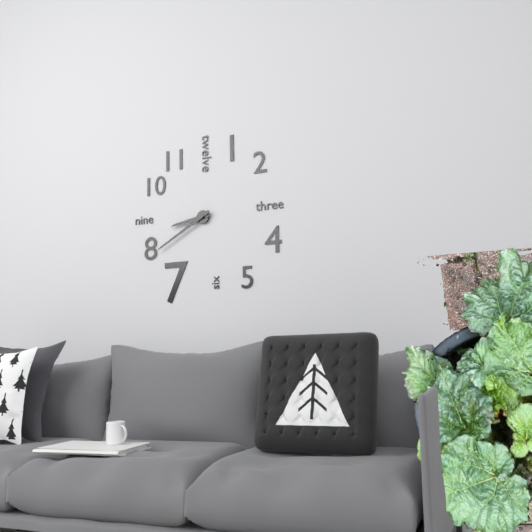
8.40
